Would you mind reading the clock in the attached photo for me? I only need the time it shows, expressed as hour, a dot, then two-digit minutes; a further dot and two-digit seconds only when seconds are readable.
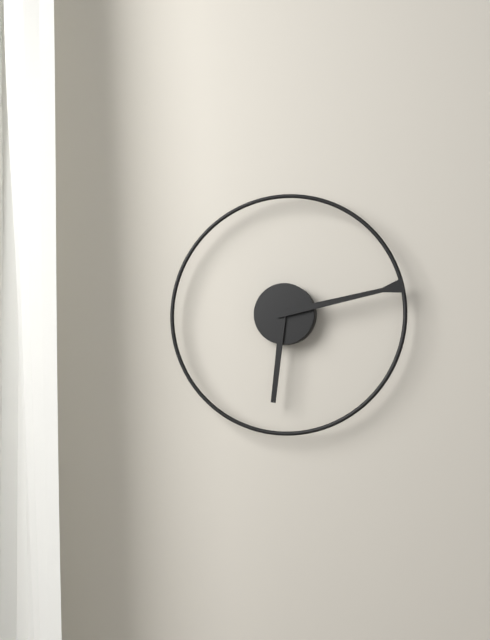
6.13
